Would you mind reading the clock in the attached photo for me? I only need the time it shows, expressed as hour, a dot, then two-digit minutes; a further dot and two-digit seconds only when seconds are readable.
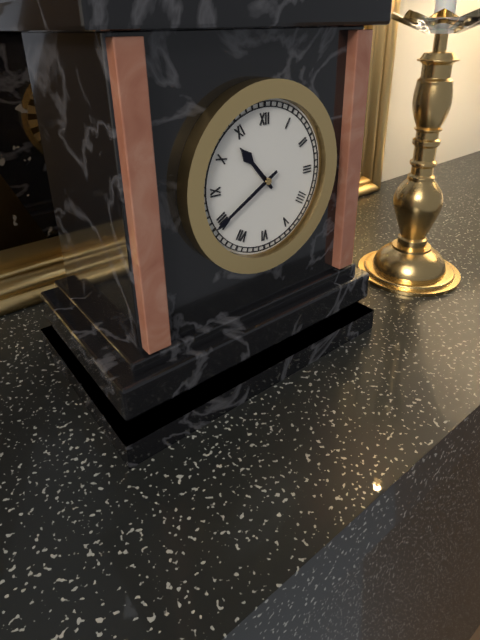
10.40
